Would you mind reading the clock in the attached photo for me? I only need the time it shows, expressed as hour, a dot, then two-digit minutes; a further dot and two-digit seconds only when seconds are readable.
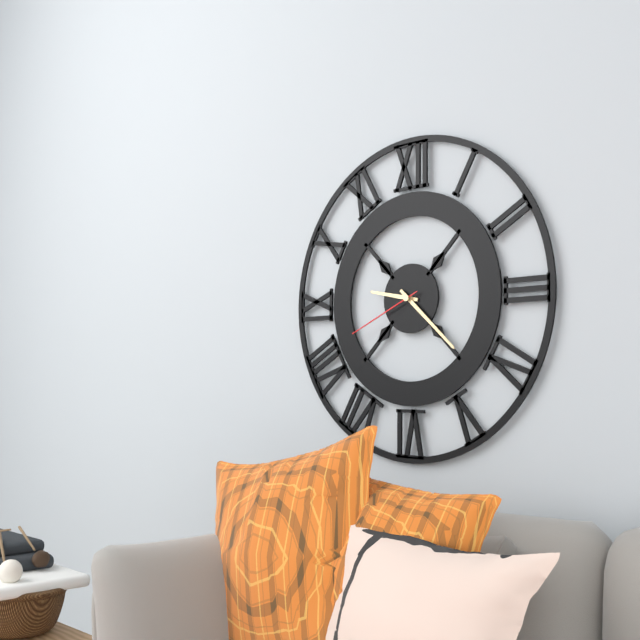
9.22.41
